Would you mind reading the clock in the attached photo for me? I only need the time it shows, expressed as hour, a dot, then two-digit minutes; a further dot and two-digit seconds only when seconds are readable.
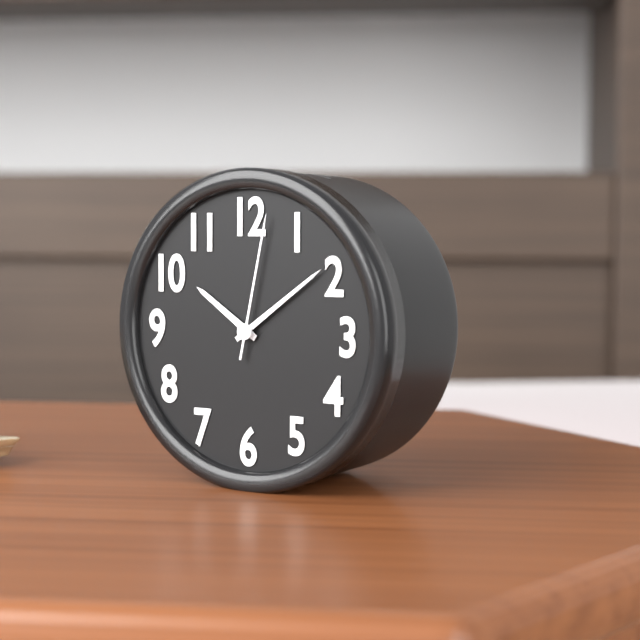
10.09.02
